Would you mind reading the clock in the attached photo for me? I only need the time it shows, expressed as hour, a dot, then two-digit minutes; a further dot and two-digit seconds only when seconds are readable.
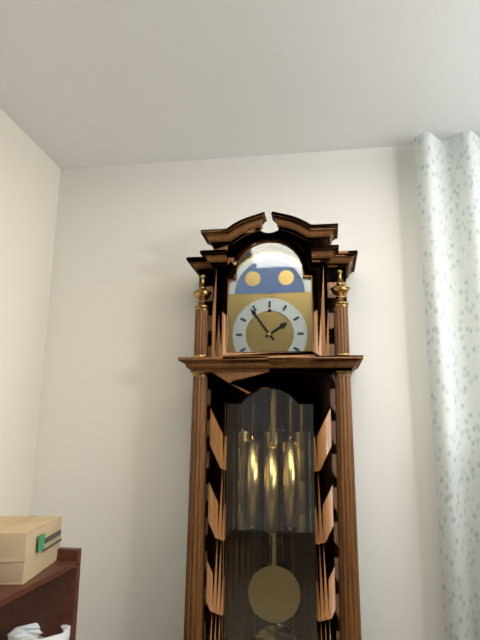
1.54
